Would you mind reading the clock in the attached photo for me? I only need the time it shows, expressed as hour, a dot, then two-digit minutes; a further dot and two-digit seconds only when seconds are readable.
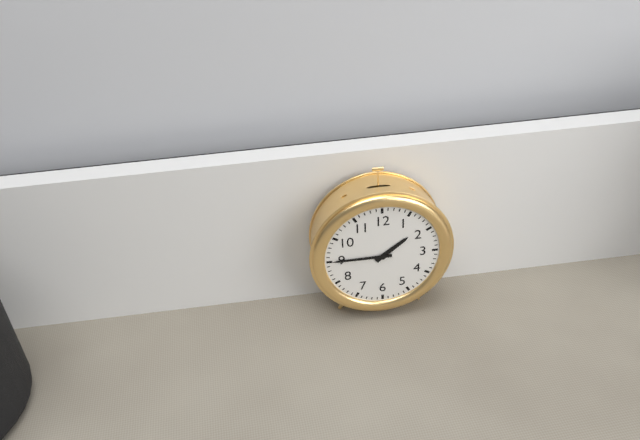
1.45
